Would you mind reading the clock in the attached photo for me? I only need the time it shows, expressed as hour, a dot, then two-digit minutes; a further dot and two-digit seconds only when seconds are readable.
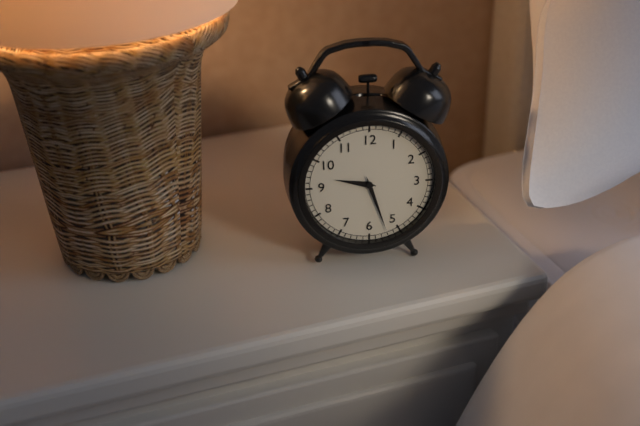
9.27
